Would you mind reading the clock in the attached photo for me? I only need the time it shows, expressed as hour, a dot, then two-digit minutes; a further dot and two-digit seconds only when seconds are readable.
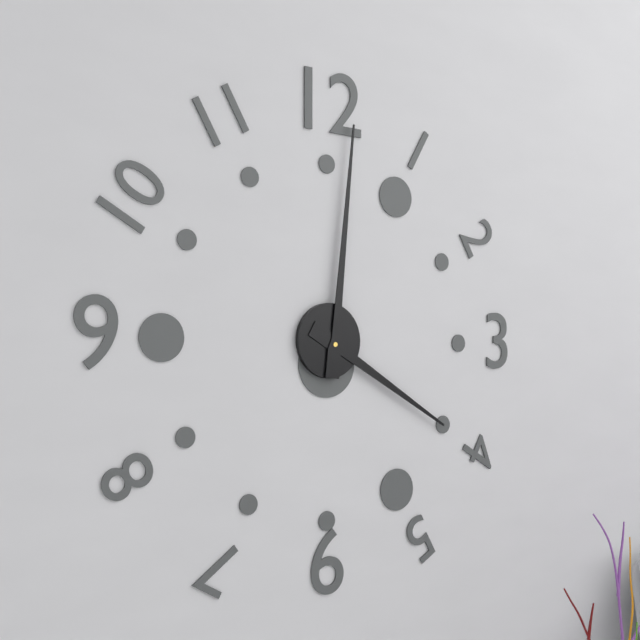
4.01
